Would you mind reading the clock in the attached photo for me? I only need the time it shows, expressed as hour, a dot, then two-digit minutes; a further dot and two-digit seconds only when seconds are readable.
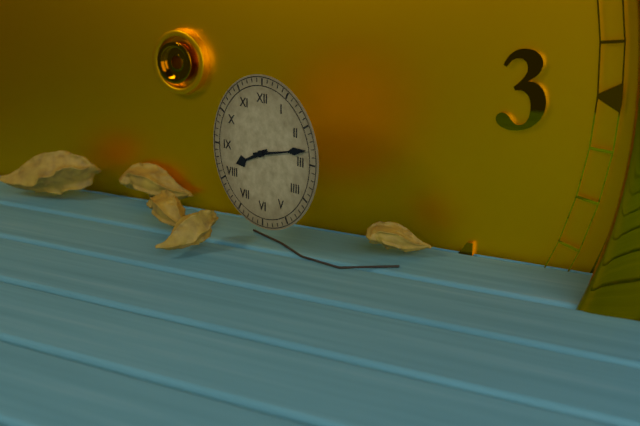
8.13
